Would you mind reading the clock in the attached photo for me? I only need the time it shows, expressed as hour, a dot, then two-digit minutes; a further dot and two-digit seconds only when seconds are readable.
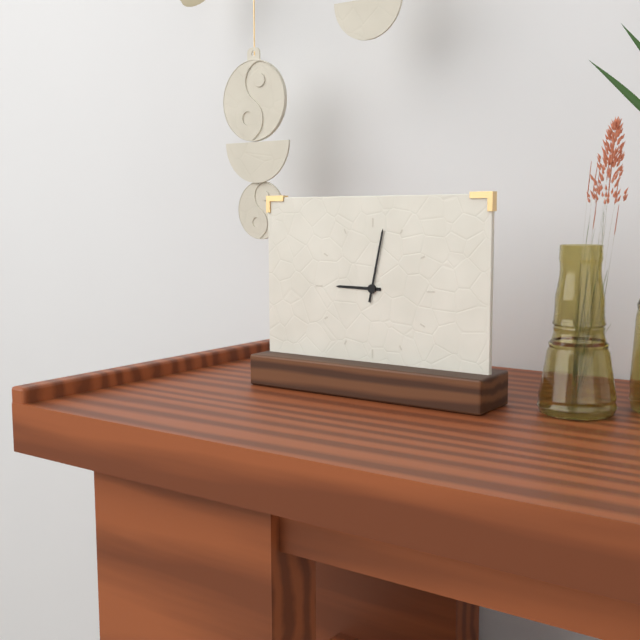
9.02
